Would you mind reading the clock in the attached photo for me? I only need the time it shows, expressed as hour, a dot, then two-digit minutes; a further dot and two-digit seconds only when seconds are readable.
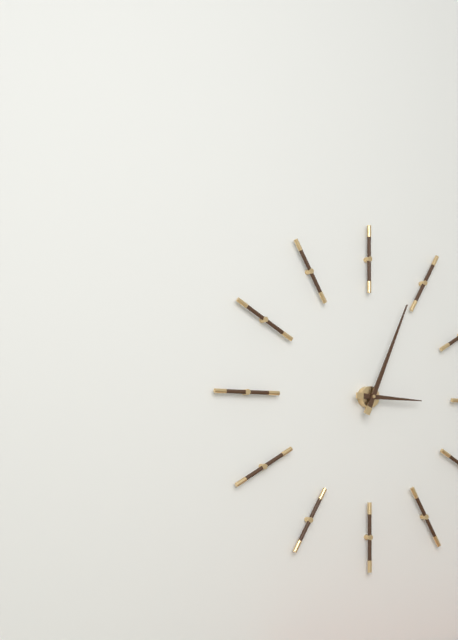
3.04
